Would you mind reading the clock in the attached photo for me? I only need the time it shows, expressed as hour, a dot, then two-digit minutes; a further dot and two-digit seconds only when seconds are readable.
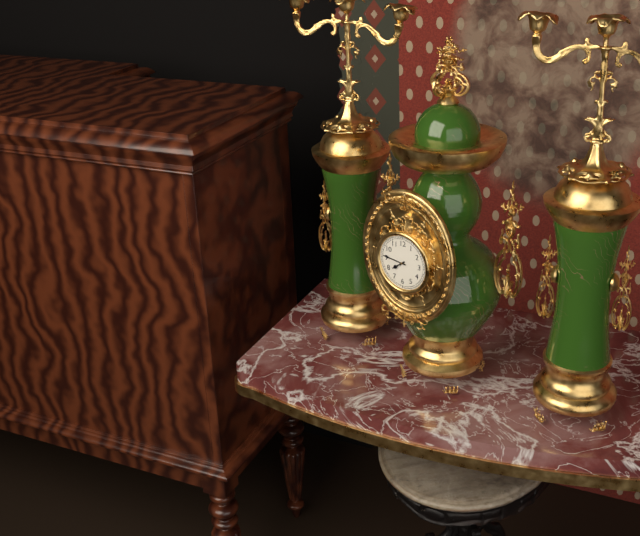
7.46
